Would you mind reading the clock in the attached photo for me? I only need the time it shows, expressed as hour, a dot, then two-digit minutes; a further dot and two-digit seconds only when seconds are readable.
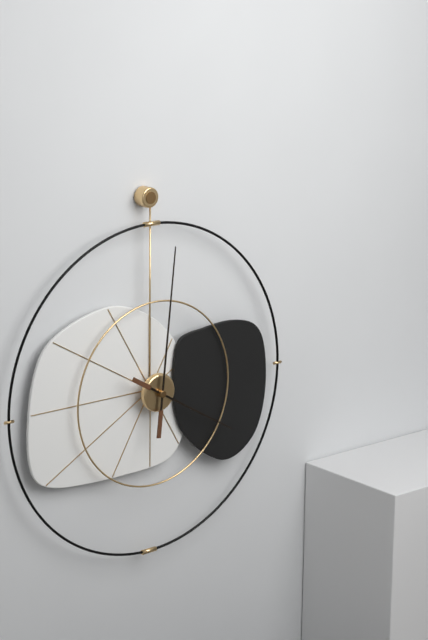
4.01
